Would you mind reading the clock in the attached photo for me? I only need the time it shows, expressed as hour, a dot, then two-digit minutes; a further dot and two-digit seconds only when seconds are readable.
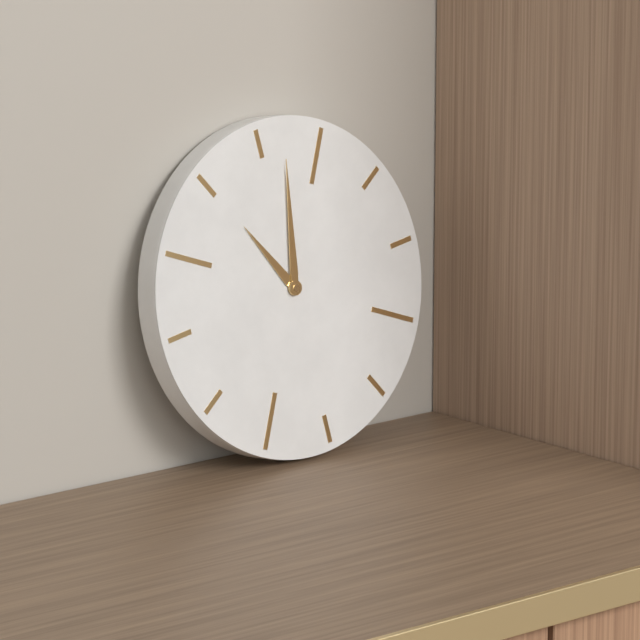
11.02
